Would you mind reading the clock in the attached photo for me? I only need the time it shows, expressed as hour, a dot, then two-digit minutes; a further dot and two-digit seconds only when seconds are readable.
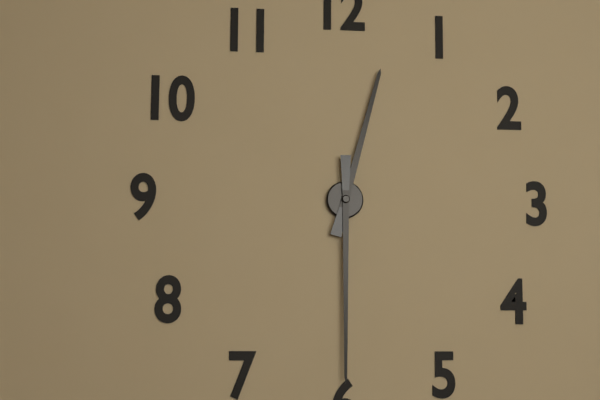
12.30
